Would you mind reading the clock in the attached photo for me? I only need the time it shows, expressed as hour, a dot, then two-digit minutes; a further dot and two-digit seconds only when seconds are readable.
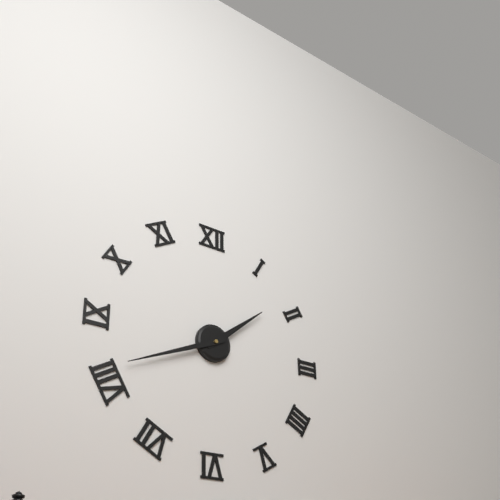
1.41
